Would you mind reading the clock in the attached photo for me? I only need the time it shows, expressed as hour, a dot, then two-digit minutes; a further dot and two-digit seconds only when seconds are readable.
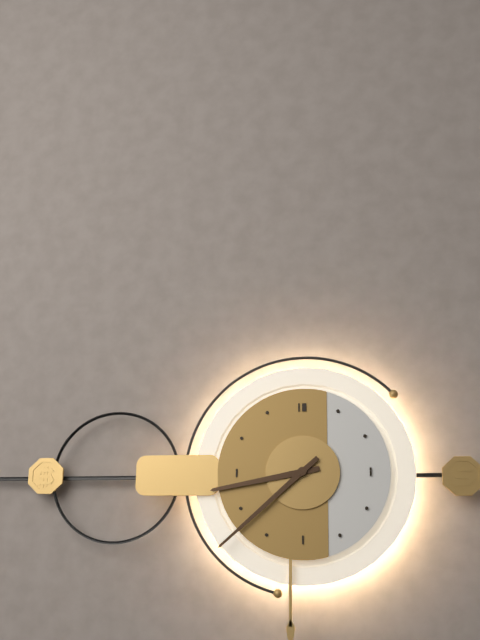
8.38
